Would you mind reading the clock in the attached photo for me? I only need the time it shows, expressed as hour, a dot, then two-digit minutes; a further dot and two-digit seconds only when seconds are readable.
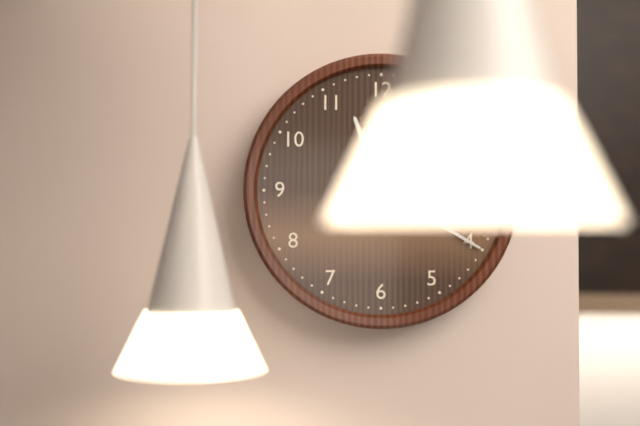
11.20
